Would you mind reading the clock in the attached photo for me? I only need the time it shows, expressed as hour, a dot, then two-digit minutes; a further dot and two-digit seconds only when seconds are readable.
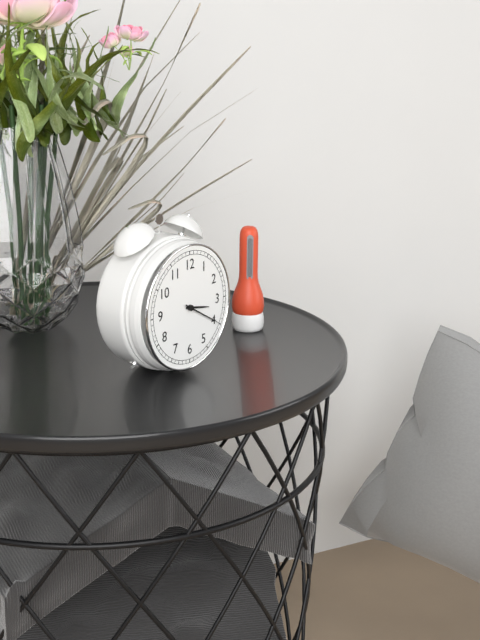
3.20
